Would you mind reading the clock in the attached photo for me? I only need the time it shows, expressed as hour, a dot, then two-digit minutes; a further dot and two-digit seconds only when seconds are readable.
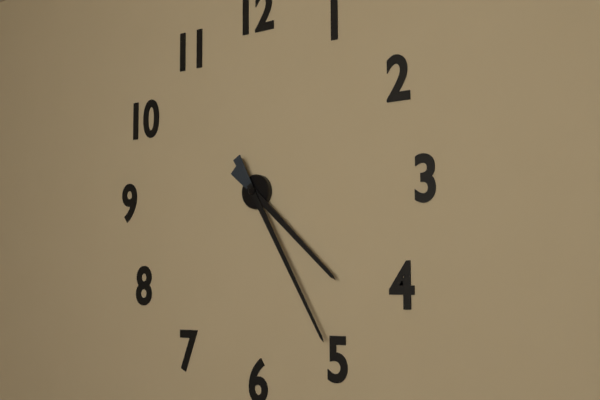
4.25
